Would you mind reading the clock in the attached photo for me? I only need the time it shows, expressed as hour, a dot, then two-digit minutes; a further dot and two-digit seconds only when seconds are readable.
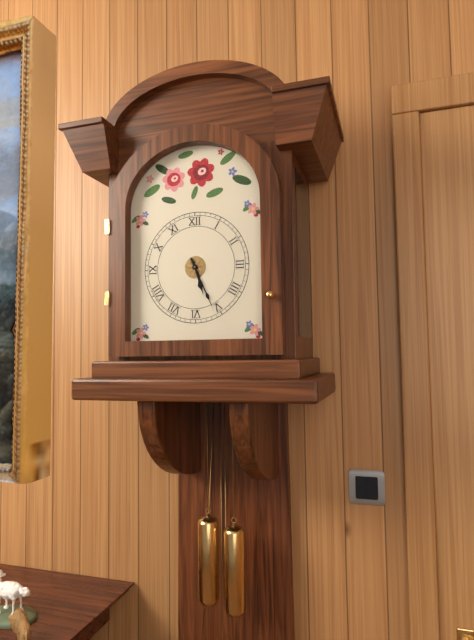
5.26
